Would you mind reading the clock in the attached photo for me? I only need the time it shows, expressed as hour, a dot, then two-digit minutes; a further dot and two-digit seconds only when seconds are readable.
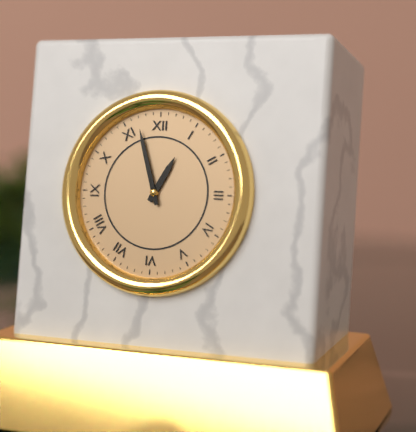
12.57
